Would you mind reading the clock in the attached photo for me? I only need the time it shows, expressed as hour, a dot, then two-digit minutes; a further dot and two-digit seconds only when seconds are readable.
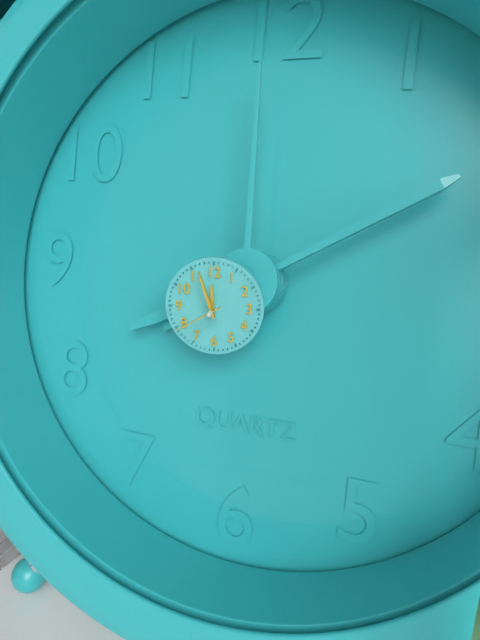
11.57.40
